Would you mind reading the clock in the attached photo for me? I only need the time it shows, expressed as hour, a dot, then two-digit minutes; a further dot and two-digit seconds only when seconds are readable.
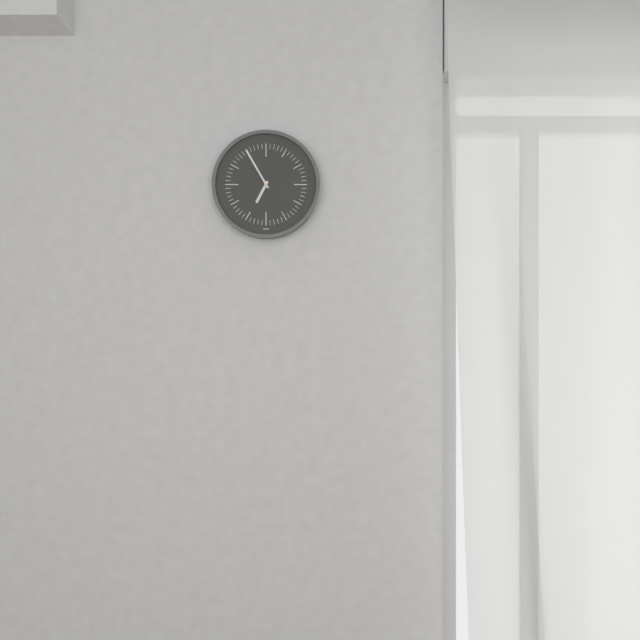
6.55
